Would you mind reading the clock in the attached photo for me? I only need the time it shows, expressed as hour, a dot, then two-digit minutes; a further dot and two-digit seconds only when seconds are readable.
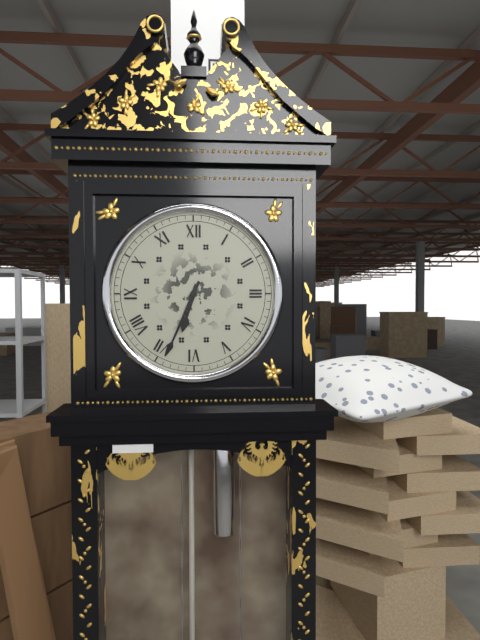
6.34
